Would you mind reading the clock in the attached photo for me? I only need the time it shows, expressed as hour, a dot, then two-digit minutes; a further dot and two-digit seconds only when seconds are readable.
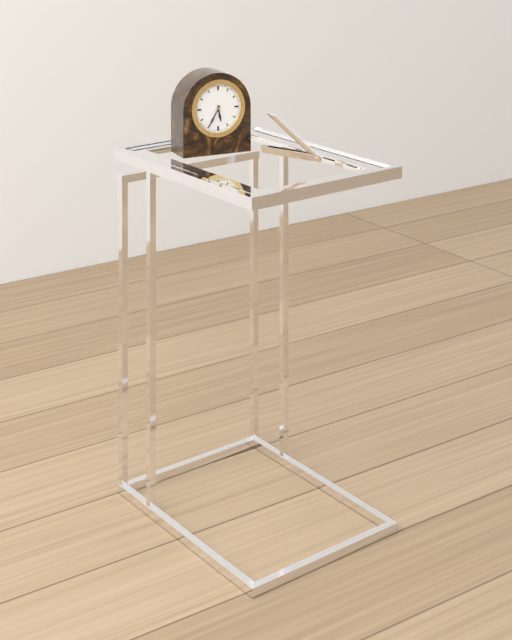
5.35
